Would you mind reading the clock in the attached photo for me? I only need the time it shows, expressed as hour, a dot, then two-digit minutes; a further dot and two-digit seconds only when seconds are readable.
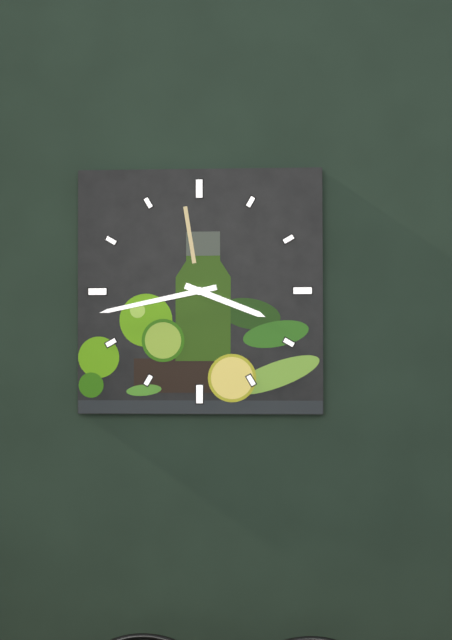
3.43
